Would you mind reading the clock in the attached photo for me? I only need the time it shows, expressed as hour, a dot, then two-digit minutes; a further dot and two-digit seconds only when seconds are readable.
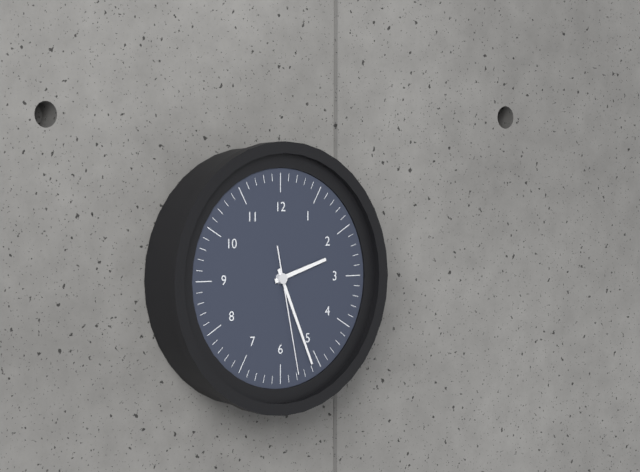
2.26.28
